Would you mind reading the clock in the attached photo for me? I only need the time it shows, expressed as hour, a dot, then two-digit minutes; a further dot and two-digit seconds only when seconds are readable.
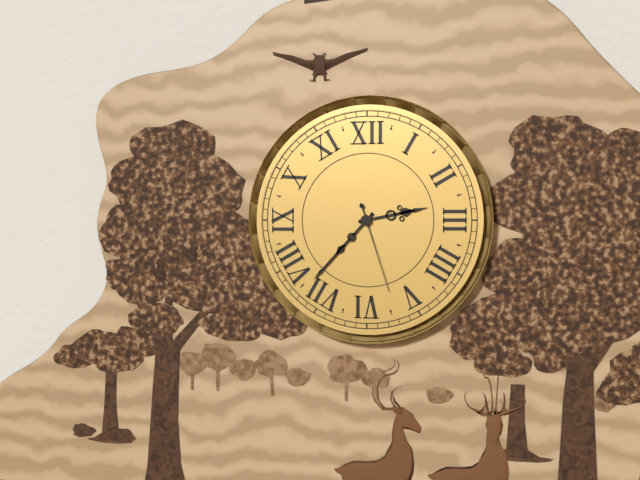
2.37.27
